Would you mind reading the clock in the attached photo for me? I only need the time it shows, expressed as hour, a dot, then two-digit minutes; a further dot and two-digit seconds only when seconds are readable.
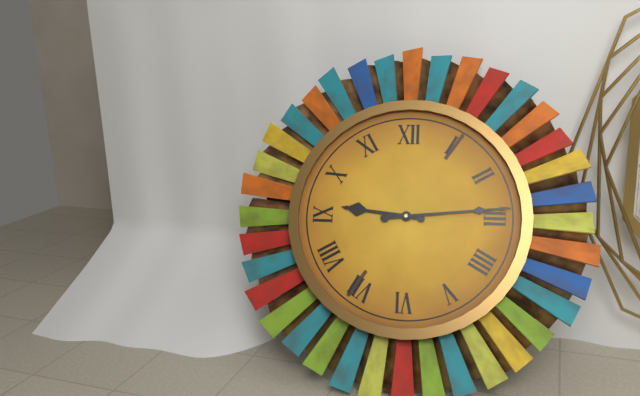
9.14
